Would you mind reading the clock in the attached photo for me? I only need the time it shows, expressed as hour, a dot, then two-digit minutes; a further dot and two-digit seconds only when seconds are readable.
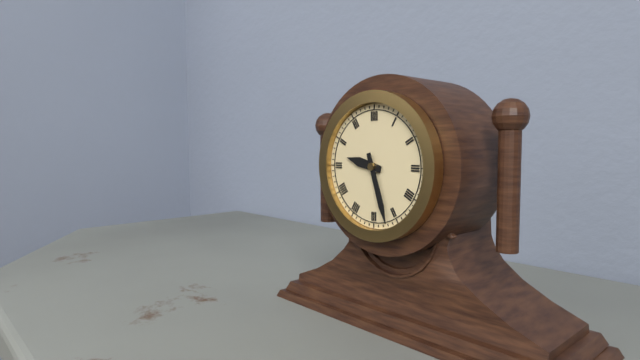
9.27
